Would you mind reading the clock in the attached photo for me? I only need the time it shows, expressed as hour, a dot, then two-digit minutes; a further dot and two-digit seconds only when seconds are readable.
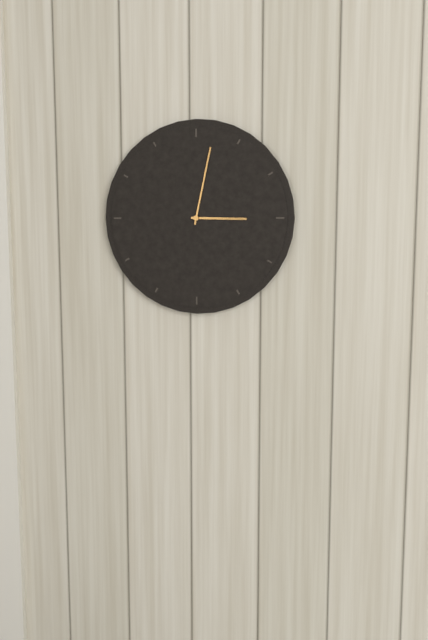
3.02
